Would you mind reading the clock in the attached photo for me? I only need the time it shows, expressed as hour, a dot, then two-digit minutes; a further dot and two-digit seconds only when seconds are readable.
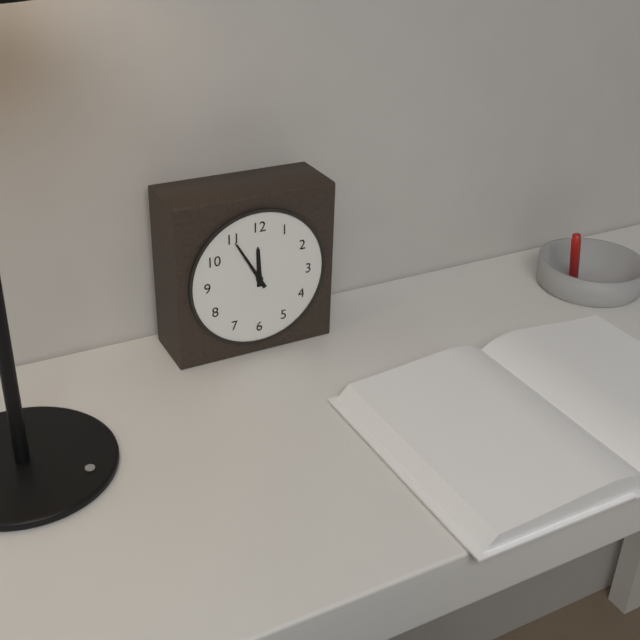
11.55
